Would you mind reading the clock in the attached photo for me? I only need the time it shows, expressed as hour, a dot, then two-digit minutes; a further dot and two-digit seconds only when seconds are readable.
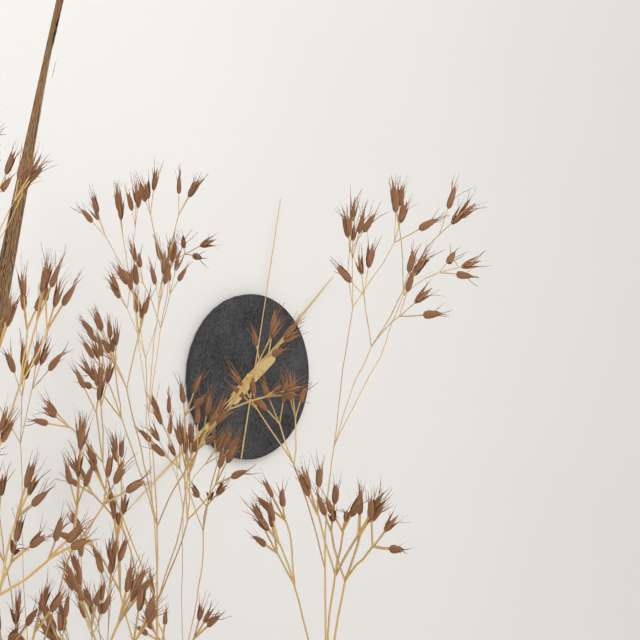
1.39.02
